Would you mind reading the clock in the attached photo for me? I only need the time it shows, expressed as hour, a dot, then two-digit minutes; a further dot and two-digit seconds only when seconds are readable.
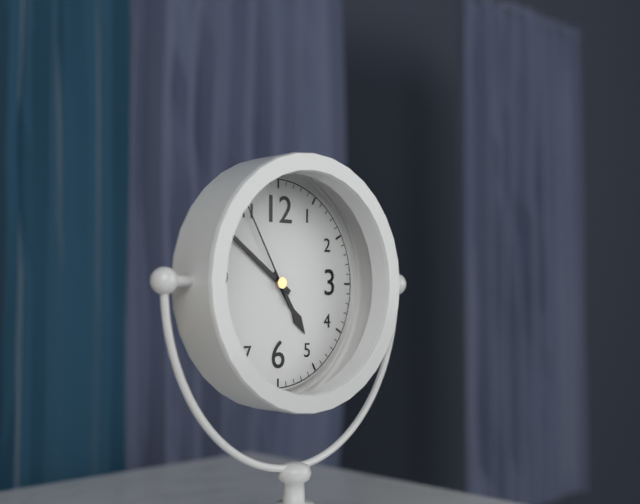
4.51.55
